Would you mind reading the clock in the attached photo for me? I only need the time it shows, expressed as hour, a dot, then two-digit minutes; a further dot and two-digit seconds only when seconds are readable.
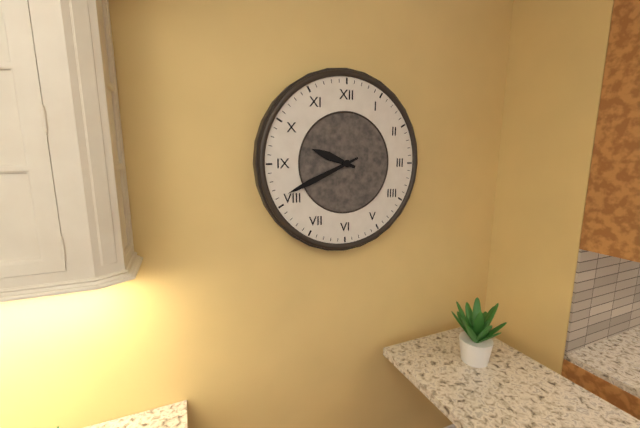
9.41
